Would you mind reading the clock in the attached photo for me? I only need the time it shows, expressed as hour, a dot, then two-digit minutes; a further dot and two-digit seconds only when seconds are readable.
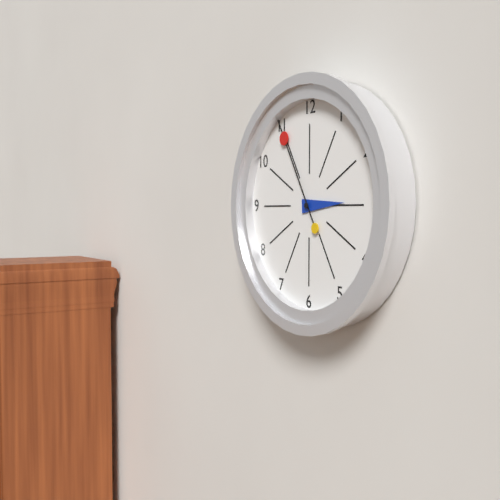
2.55
